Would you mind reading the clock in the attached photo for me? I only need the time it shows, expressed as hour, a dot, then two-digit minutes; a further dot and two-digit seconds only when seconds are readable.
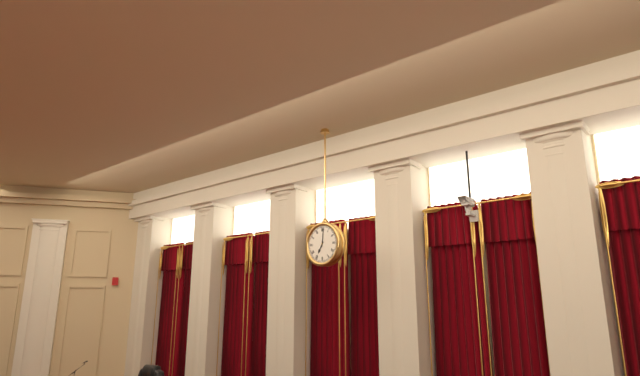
7.01
